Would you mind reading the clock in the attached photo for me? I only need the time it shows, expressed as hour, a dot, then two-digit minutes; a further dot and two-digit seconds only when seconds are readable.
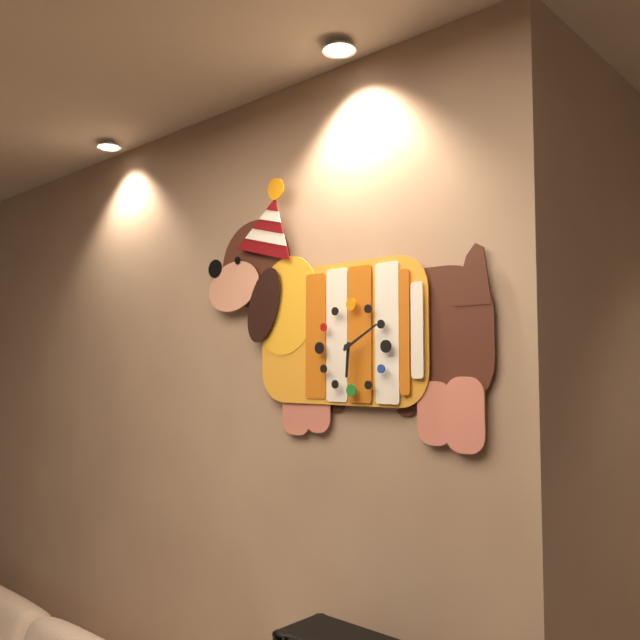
6.10
